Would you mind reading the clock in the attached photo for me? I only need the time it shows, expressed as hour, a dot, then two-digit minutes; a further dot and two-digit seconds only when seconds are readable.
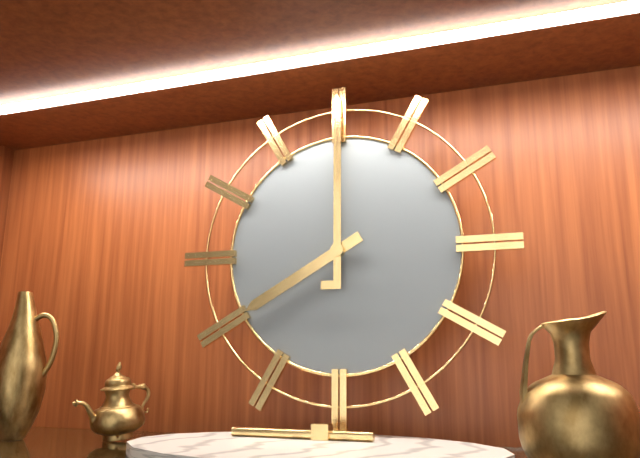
8.00
